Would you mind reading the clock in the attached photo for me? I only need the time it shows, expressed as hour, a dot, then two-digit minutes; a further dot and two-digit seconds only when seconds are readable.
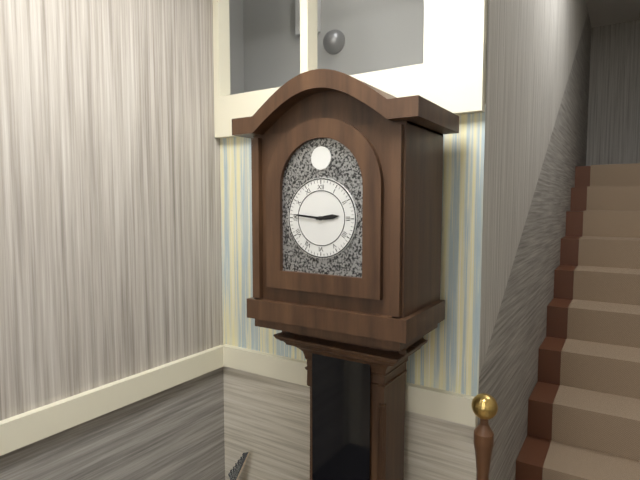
2.46
